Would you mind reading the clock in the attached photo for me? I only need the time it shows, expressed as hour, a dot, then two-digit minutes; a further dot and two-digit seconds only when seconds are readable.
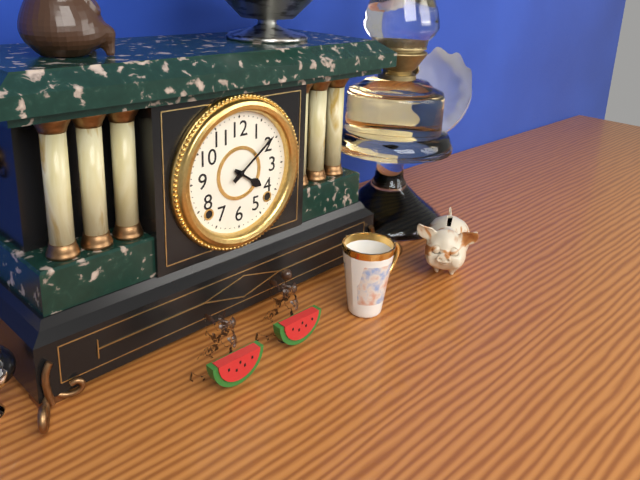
4.09
